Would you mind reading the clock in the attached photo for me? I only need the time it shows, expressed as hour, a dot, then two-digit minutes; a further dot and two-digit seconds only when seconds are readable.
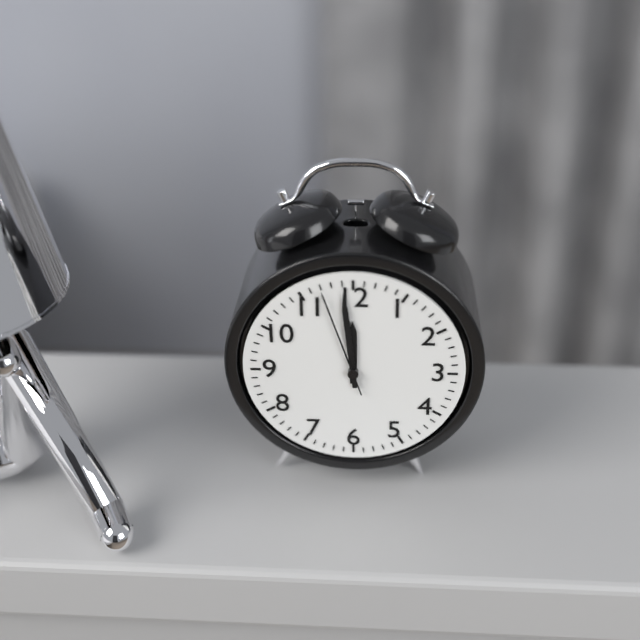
11.59.57
